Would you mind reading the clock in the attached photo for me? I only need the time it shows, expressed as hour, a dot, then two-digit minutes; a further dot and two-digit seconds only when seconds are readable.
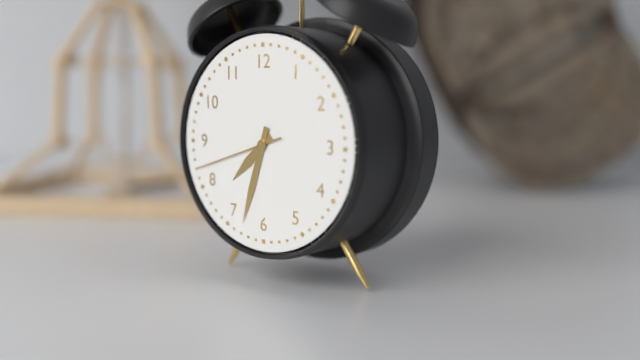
7.33.42
